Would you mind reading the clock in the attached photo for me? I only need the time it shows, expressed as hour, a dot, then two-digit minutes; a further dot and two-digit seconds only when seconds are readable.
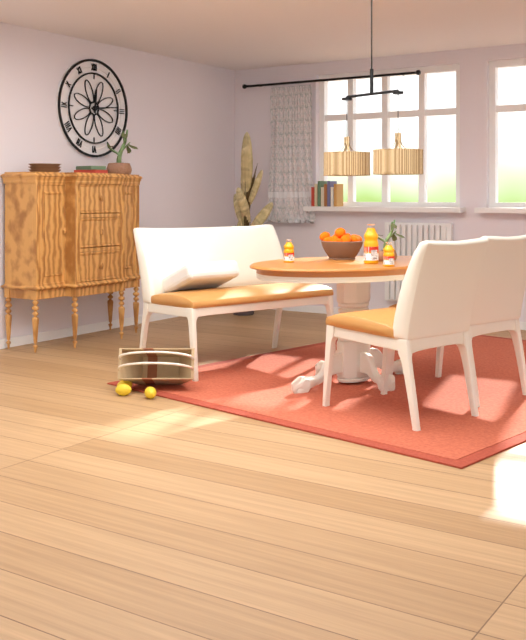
12.14
